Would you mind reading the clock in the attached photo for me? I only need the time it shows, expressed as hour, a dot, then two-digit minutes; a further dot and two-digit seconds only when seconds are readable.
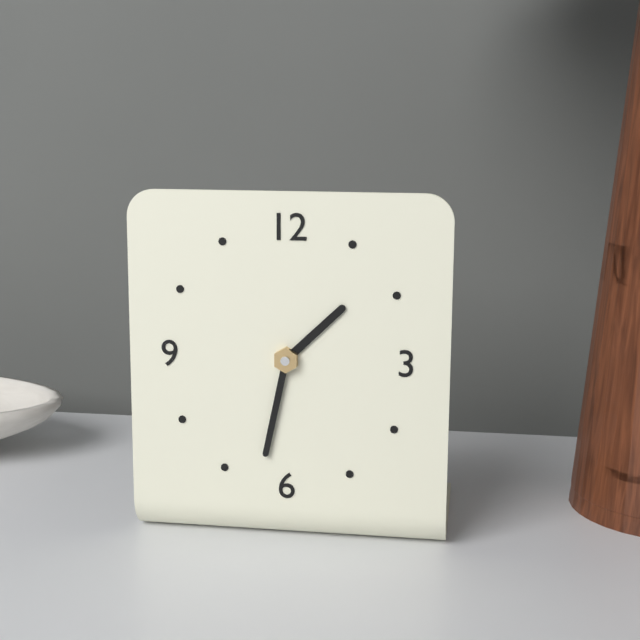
1.32
